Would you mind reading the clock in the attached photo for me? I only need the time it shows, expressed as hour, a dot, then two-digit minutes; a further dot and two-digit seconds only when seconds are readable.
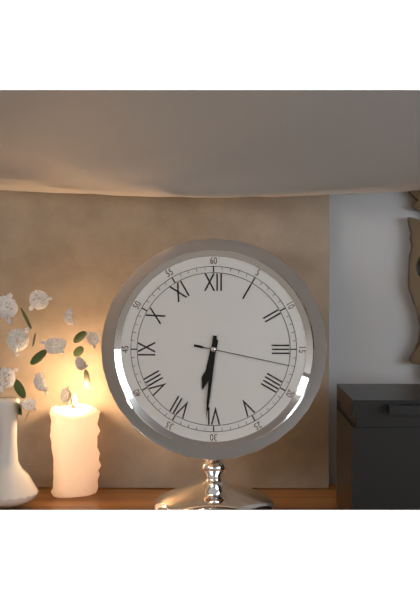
6.31.17
